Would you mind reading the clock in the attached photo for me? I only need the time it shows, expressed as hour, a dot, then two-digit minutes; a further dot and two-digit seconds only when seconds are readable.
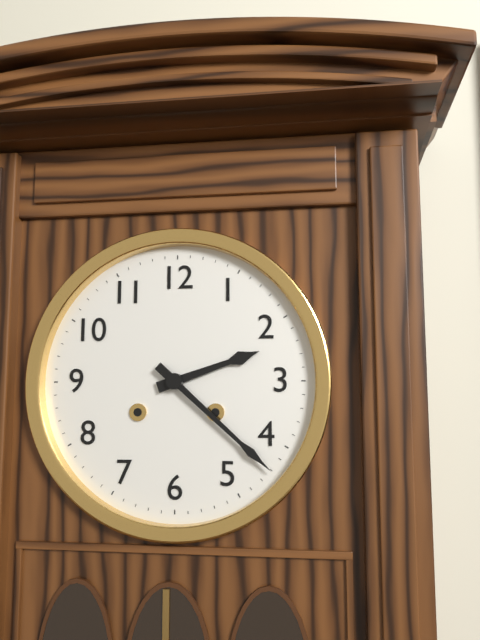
2.22
